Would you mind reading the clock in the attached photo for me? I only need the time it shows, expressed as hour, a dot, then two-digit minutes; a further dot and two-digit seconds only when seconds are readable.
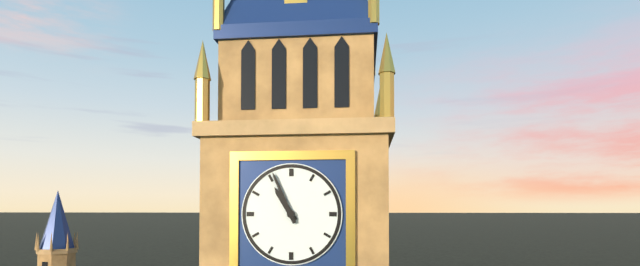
10.56
